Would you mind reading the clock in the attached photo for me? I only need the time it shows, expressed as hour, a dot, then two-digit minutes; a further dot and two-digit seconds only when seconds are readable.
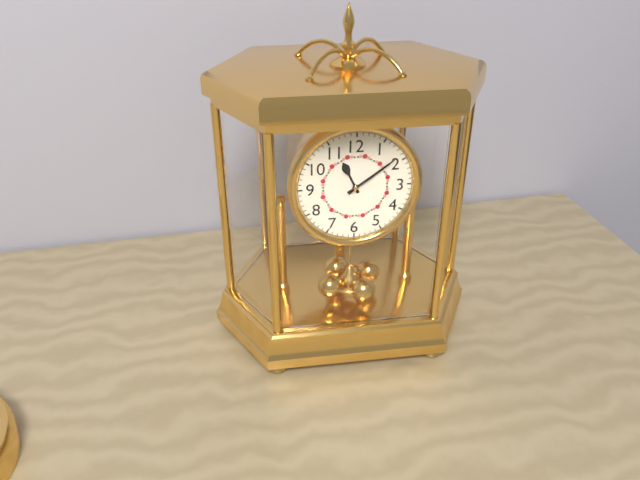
11.09
